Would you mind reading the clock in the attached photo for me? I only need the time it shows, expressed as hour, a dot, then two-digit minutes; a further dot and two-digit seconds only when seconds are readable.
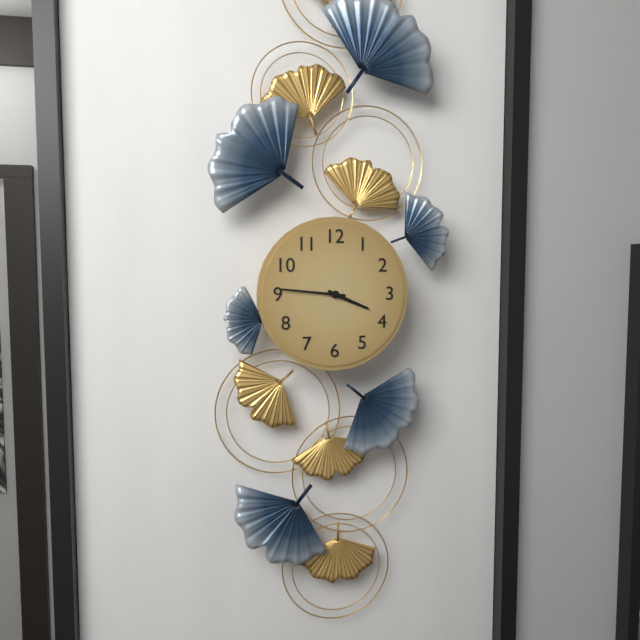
3.46
